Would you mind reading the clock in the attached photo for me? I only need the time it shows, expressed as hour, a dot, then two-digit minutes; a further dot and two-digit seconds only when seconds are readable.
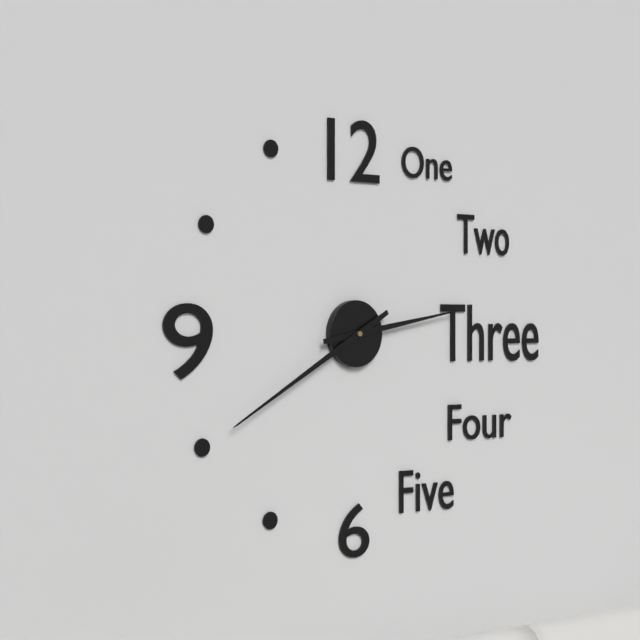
2.40
